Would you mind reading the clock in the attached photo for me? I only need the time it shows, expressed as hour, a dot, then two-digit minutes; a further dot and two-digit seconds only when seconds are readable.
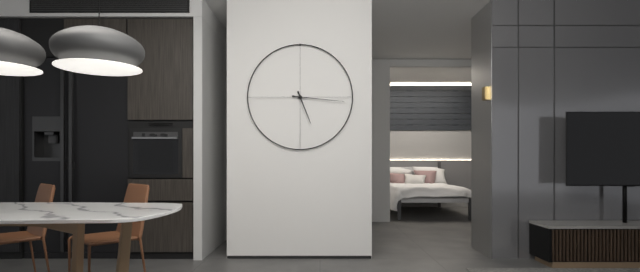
5.16
